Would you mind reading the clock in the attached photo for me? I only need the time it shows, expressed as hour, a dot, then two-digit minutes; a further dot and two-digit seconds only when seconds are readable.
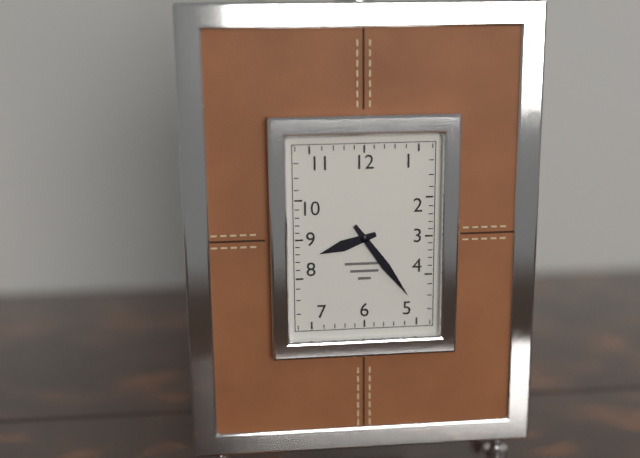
8.24
